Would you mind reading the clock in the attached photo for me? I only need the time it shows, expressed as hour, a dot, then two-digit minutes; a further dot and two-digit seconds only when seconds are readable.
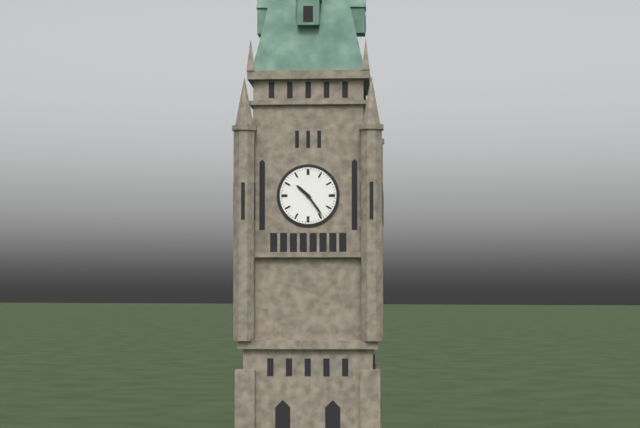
10.24
